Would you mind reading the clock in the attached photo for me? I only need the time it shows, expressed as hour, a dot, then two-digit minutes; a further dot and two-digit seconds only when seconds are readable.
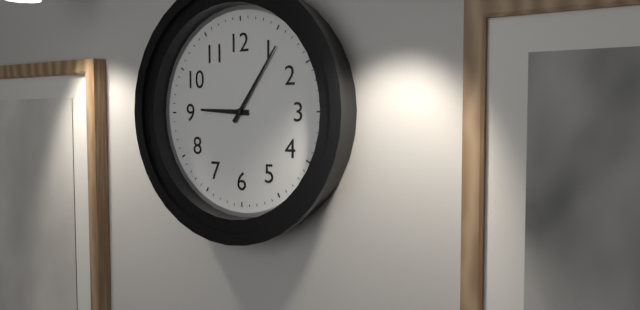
9.06
